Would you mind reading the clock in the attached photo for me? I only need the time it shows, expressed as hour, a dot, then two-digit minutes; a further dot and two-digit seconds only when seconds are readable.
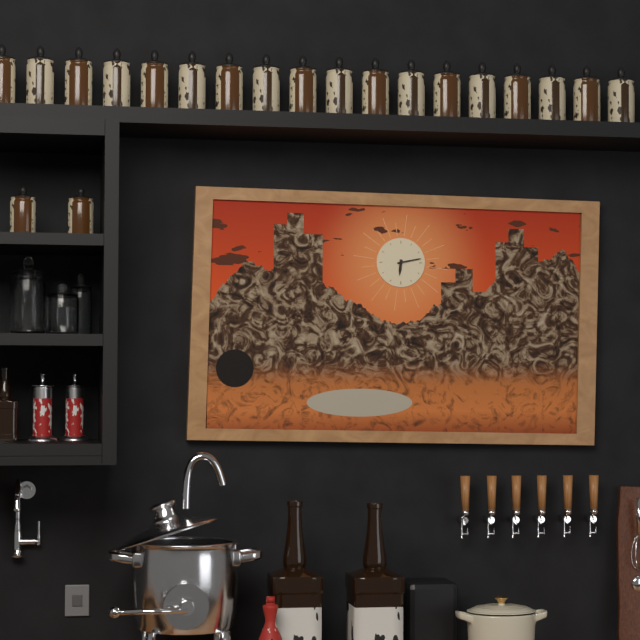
6.13
